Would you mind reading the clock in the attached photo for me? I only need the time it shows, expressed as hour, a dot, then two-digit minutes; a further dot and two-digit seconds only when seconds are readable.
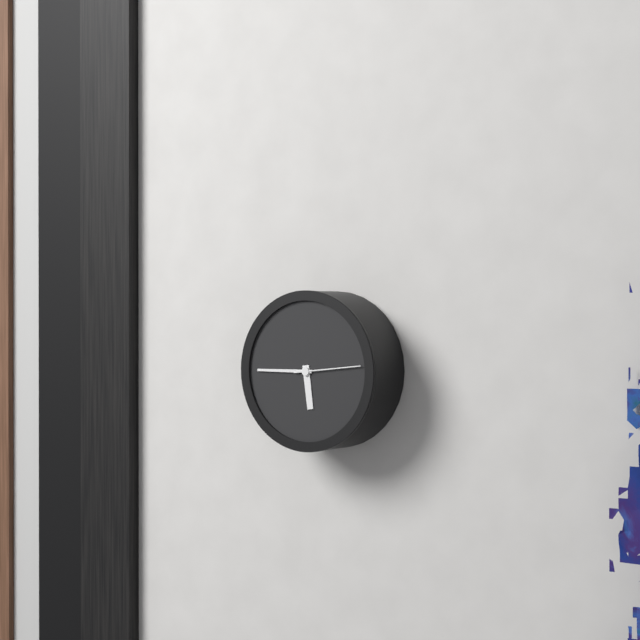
5.45.14
